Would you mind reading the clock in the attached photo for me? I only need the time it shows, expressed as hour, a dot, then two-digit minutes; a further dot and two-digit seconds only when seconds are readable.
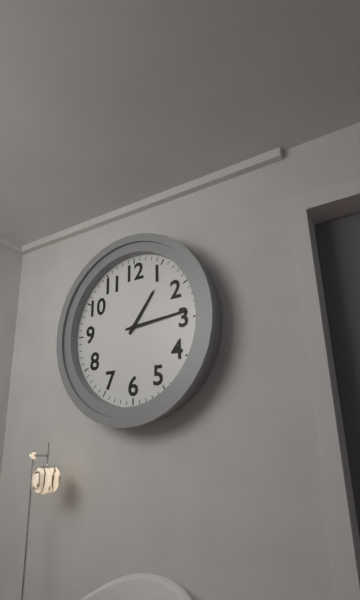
1.14
